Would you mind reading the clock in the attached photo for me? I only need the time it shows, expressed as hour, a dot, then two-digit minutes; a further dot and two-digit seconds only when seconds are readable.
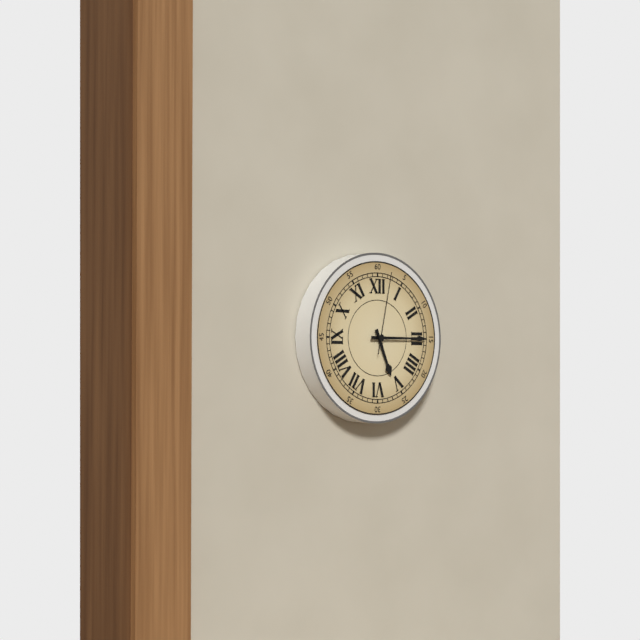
5.15.02
